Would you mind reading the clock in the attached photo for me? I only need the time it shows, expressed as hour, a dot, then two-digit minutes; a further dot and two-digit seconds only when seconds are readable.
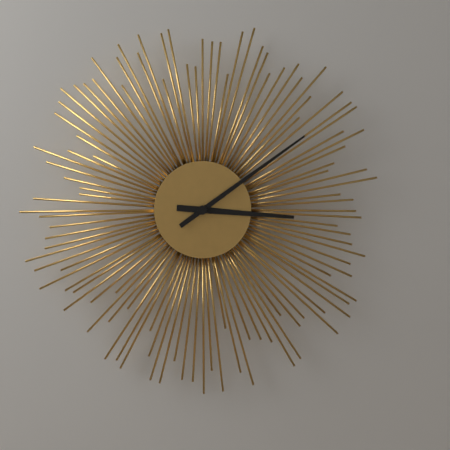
3.09
